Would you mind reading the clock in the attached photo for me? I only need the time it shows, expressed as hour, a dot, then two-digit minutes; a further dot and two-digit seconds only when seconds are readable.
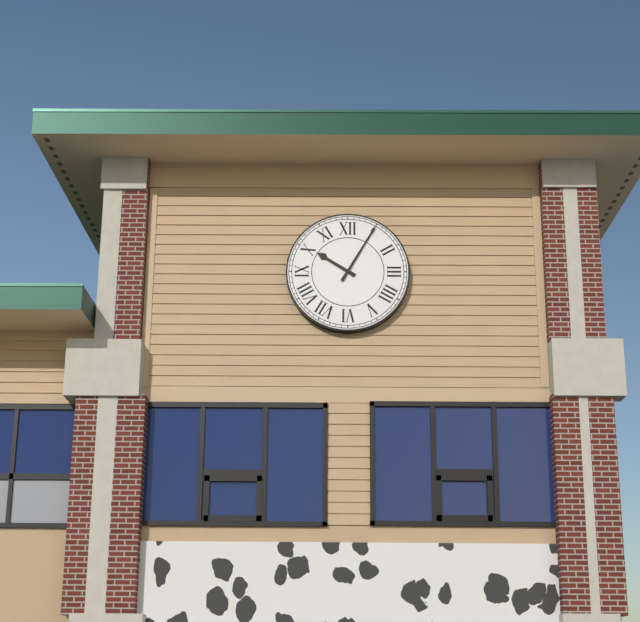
10.05
